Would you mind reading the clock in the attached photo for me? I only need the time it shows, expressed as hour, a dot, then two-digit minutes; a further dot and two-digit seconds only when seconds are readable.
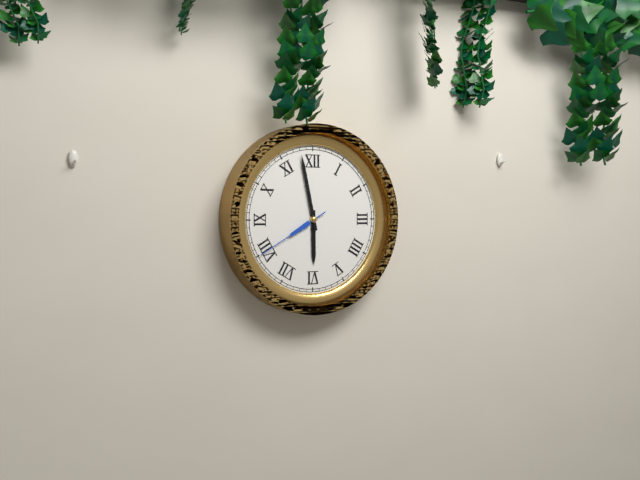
5.58.40
